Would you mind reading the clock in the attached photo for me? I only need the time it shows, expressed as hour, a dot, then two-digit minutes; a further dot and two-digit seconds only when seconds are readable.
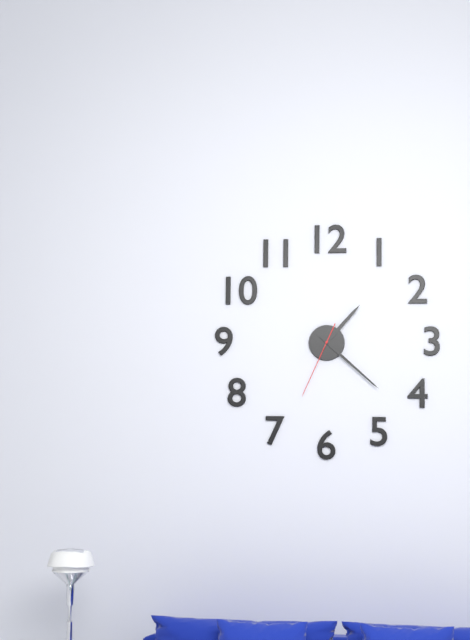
1.22.34
